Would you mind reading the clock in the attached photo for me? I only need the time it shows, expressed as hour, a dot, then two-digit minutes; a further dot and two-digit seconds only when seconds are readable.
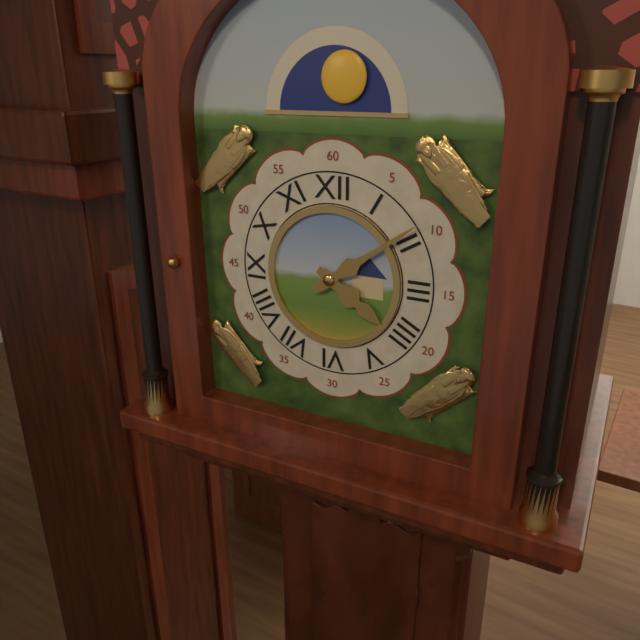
4.09
